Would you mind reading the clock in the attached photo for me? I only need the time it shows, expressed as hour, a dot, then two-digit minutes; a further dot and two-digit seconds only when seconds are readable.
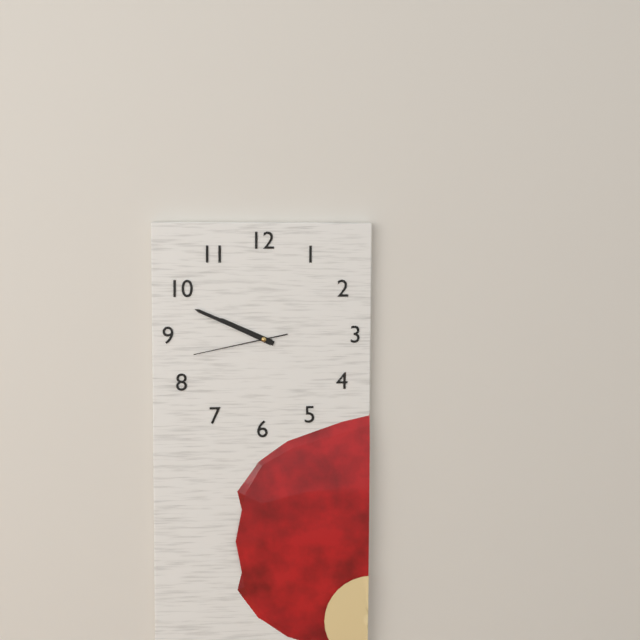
9.49.43
